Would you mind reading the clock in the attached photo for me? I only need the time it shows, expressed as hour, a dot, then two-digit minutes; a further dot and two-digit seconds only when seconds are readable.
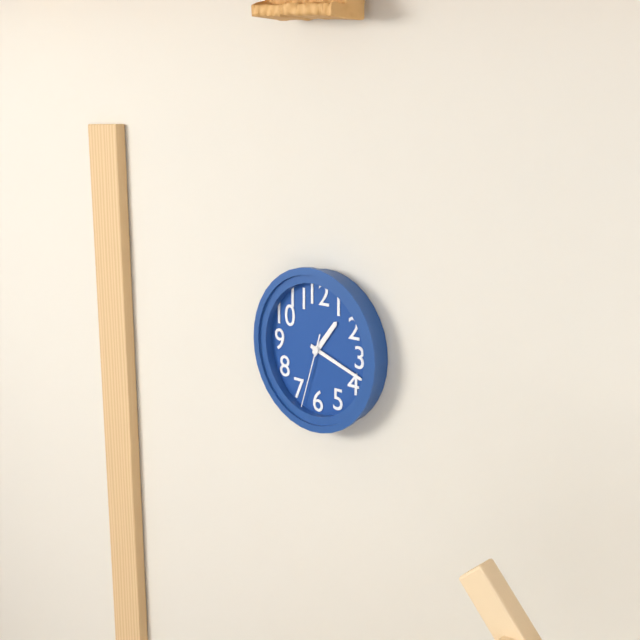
1.18.33
